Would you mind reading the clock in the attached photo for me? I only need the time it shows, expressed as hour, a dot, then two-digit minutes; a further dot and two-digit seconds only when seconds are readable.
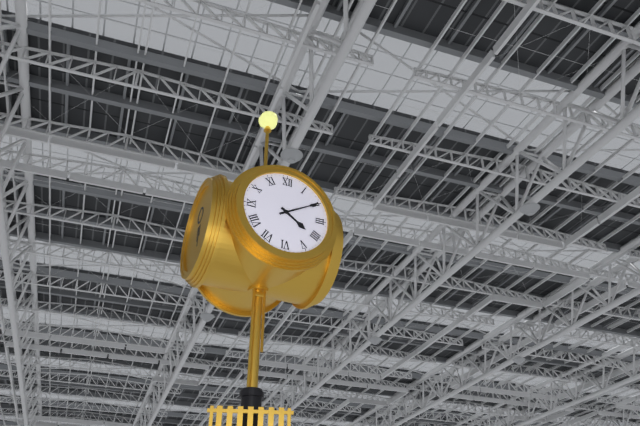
4.10
